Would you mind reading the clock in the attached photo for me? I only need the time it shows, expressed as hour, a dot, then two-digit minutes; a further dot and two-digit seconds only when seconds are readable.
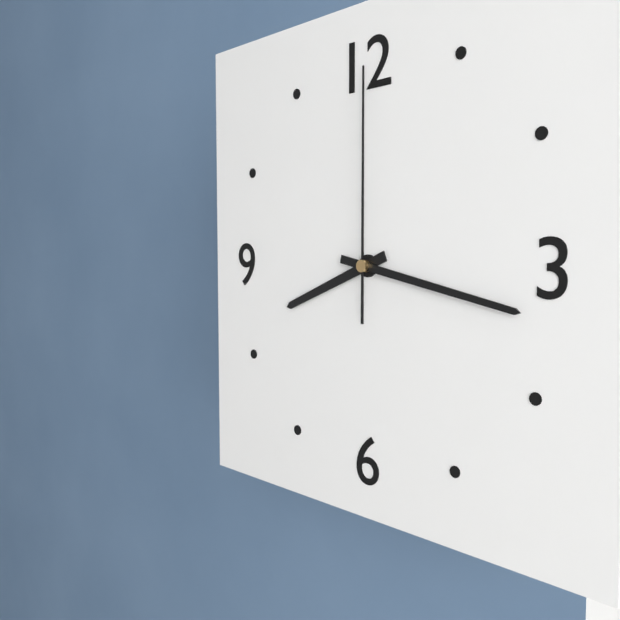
8.17.00
